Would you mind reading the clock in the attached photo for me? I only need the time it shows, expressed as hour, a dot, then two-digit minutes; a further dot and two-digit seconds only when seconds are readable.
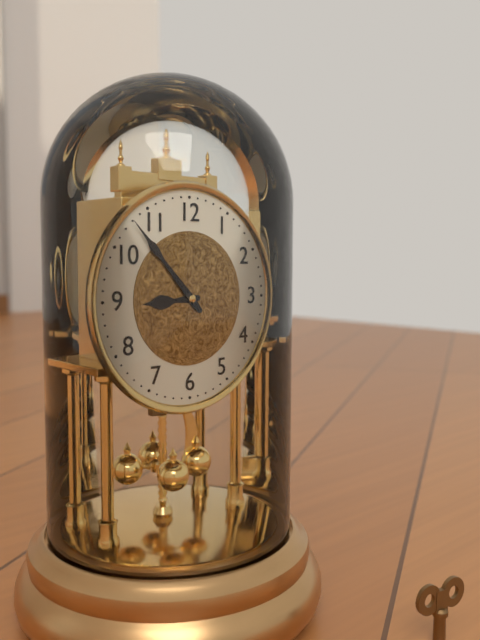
8.53
